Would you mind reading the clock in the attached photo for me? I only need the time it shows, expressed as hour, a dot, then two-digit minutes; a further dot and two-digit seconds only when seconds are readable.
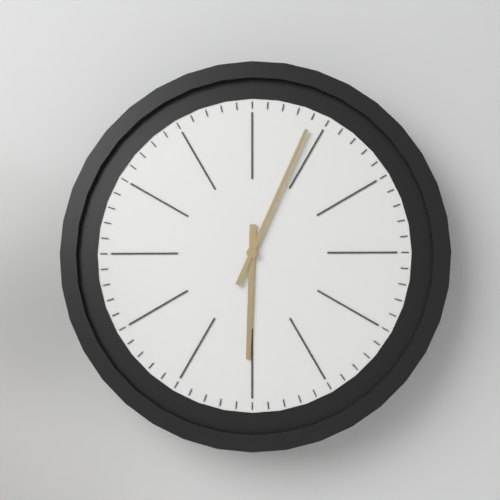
6.04
